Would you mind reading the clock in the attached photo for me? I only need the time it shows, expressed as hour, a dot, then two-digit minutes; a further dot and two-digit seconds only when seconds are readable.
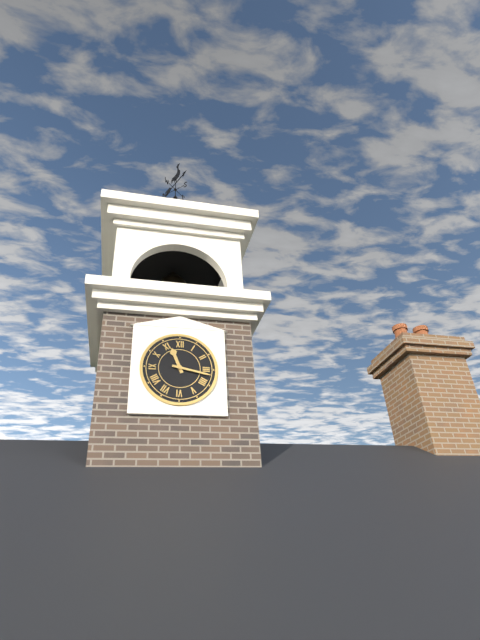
11.17
